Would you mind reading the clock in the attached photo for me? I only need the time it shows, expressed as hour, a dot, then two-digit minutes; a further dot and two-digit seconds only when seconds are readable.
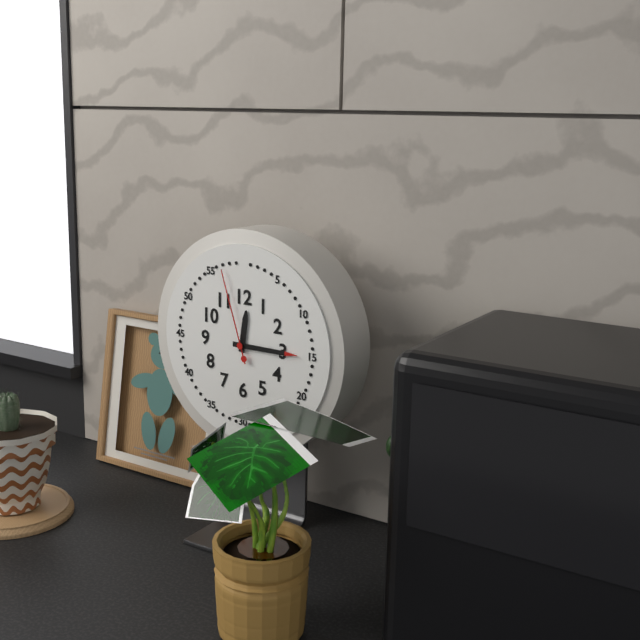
12.15.57
